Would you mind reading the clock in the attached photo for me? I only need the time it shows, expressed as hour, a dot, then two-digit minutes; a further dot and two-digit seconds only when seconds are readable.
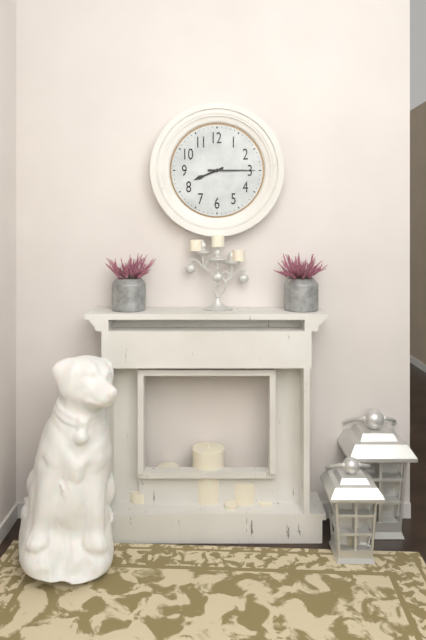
8.15
